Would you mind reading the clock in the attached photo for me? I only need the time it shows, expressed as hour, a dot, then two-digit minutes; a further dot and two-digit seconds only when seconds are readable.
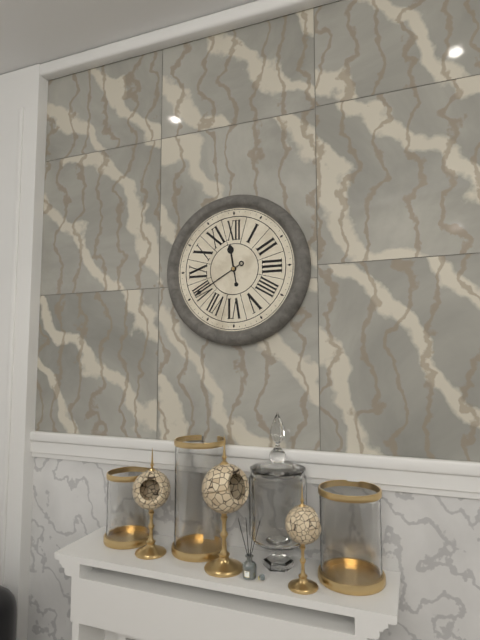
11.40
